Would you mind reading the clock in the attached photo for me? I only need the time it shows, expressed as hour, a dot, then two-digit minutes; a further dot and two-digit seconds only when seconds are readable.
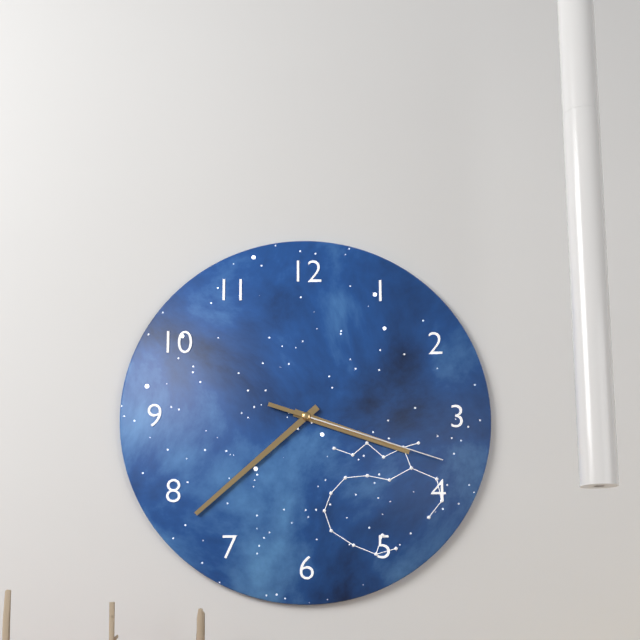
3.38.18
